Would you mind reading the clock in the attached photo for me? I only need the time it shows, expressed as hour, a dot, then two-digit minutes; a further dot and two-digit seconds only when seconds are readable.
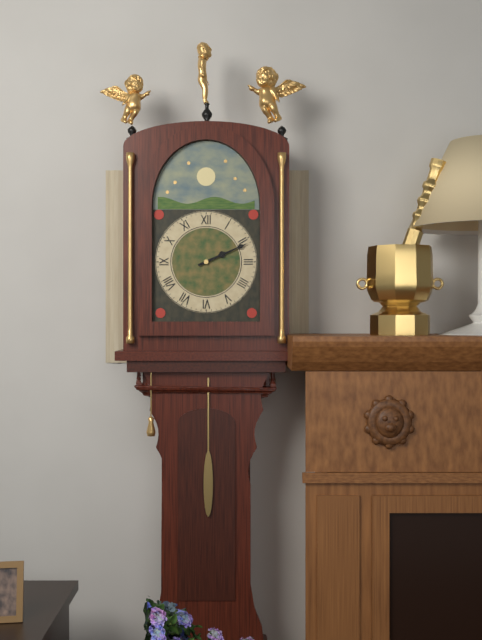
2.11
